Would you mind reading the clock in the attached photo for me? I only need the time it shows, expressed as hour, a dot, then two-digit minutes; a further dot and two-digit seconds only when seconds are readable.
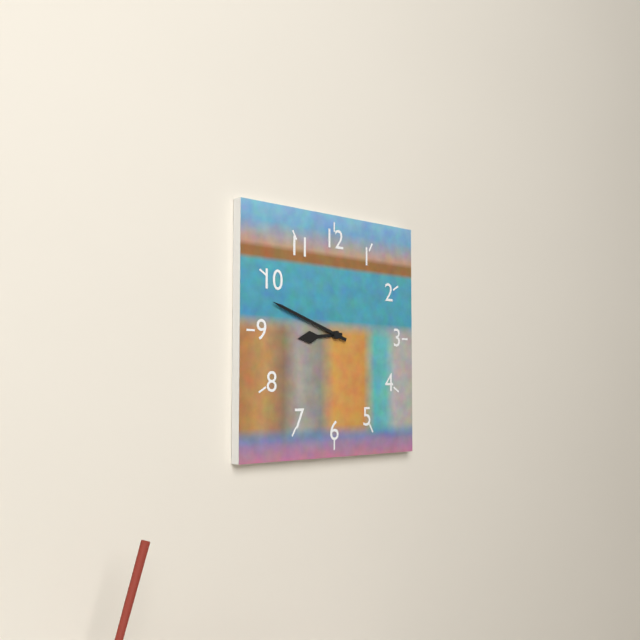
8.48
